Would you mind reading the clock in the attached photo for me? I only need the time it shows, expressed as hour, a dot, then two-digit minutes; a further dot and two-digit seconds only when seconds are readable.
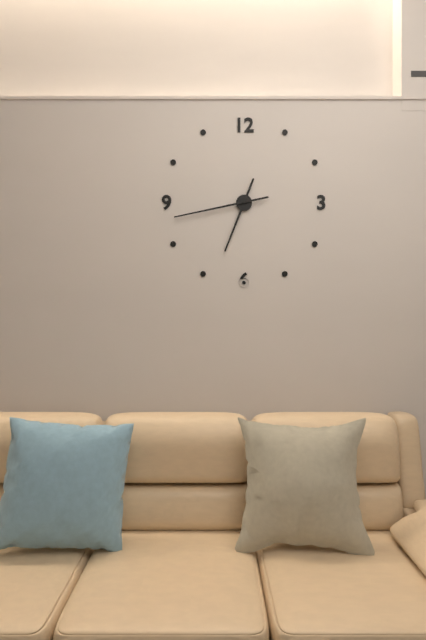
6.43
